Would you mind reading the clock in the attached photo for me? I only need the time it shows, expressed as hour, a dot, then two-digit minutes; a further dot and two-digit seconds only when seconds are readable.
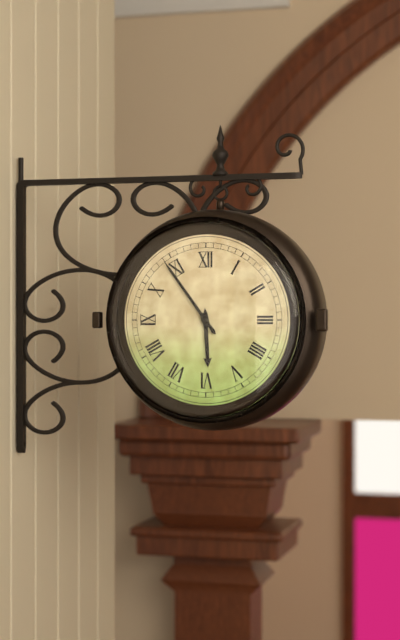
5.54
